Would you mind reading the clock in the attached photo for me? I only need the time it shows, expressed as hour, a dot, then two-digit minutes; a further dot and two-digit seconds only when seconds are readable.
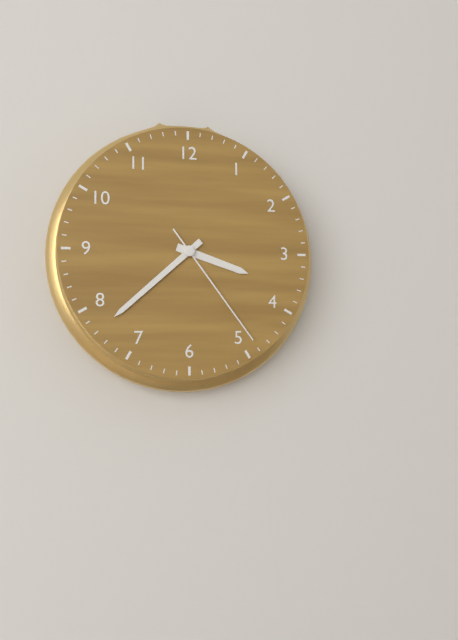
3.38.24
